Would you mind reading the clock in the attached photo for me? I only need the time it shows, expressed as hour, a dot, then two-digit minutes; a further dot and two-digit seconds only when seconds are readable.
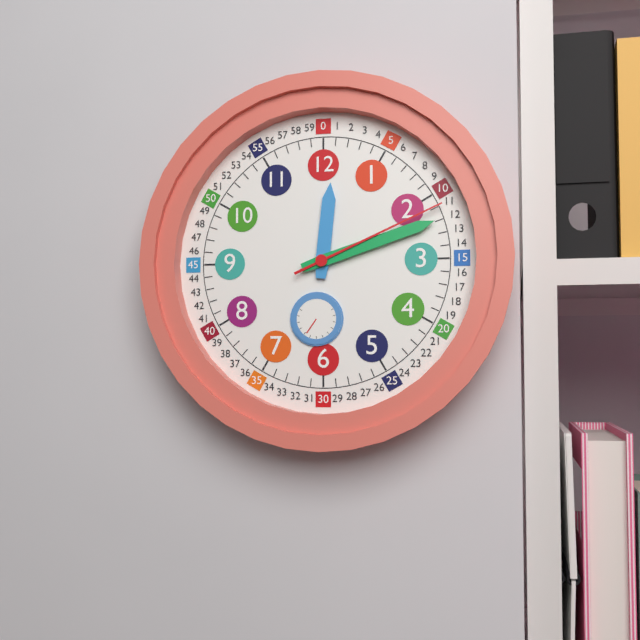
12.12.11
